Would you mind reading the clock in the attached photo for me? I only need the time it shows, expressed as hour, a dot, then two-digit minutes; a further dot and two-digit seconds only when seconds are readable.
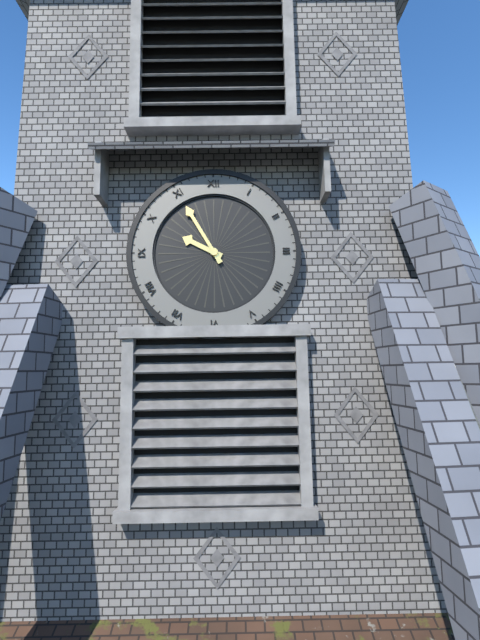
9.55
